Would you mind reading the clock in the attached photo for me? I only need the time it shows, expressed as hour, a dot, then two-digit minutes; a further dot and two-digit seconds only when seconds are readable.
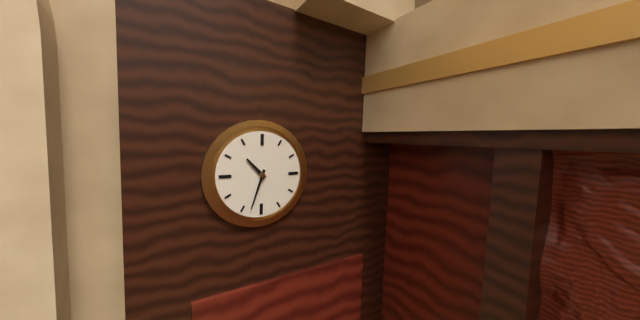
10.33
